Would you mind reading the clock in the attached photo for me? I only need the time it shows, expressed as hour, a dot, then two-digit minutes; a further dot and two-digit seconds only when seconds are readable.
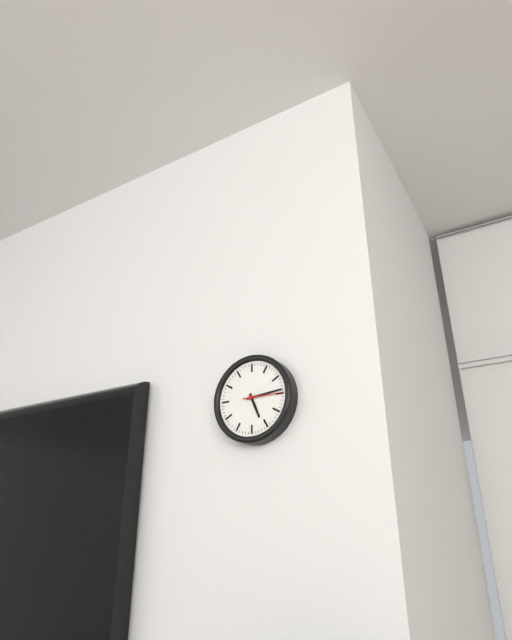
5.14
